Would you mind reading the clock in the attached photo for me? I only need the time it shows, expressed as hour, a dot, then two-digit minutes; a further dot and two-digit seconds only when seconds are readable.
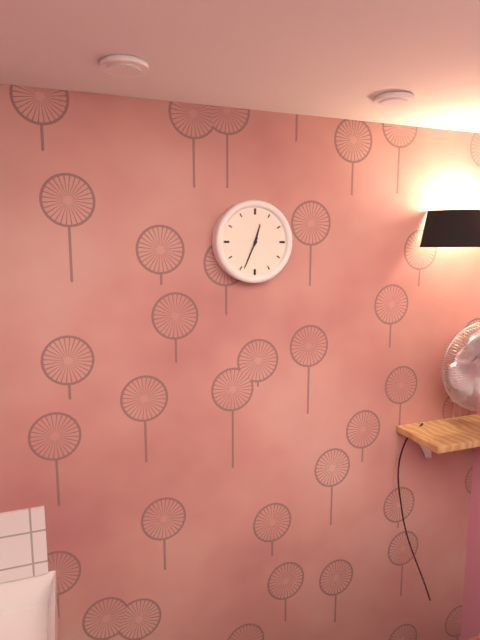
12.34
